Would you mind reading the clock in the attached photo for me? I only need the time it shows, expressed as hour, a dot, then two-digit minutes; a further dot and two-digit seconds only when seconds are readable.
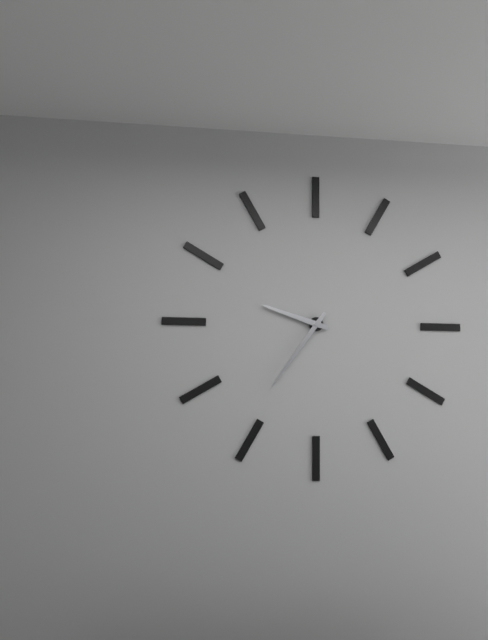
9.36
